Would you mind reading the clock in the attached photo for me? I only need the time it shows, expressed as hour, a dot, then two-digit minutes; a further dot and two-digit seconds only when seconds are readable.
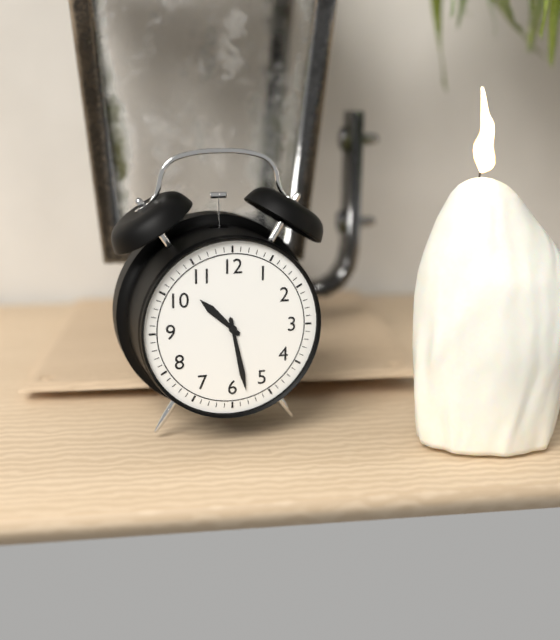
10.28
